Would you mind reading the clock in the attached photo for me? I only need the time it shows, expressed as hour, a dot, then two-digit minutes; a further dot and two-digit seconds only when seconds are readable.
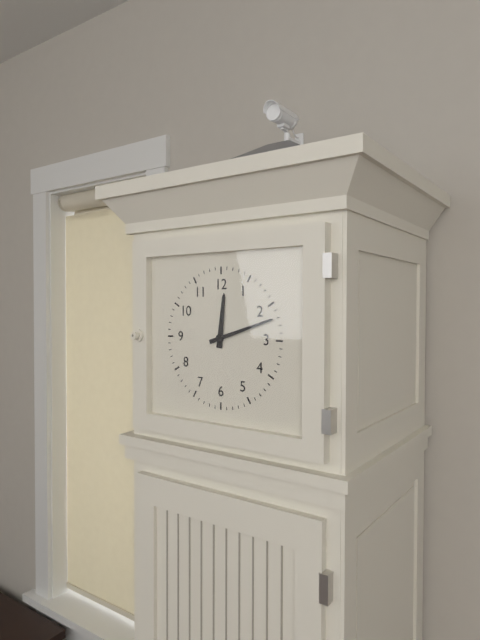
12.12
